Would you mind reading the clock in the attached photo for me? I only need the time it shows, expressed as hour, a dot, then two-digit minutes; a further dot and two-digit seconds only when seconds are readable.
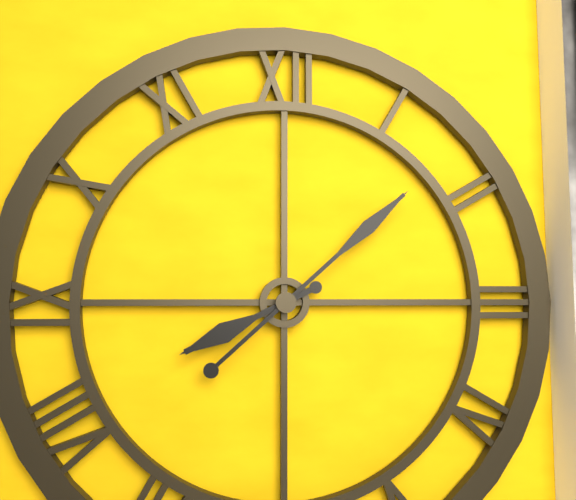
8.08
